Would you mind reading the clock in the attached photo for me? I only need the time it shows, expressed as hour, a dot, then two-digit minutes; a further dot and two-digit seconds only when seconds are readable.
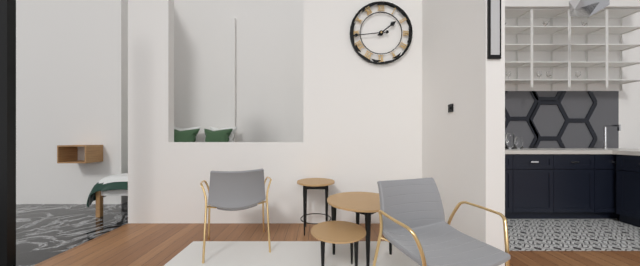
1.44
